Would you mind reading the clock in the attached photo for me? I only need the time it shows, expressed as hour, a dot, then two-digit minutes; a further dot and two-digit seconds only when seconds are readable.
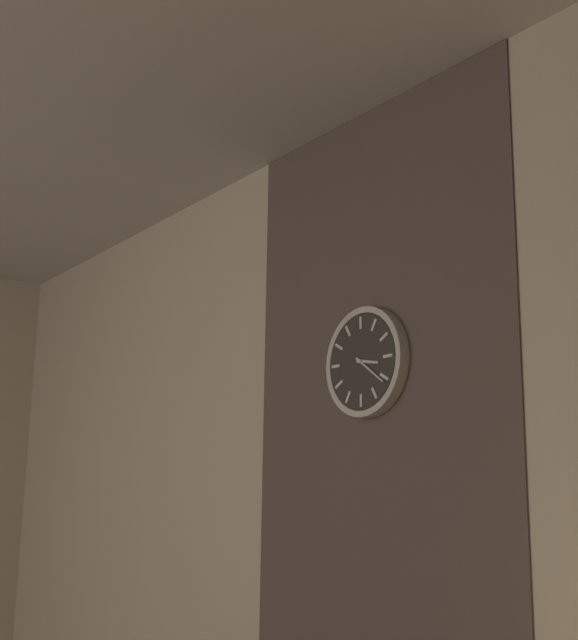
3.21
